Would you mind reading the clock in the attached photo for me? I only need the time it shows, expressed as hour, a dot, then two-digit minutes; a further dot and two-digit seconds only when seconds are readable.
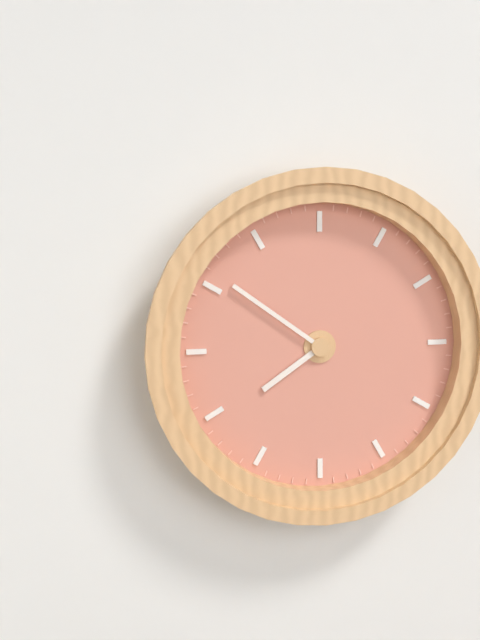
7.51
